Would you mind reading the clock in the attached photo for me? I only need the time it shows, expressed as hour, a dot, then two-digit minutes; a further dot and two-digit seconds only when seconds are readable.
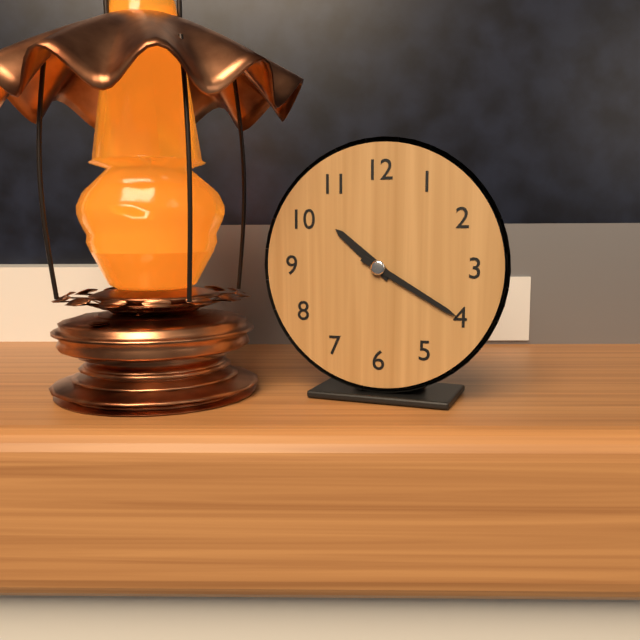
10.20
